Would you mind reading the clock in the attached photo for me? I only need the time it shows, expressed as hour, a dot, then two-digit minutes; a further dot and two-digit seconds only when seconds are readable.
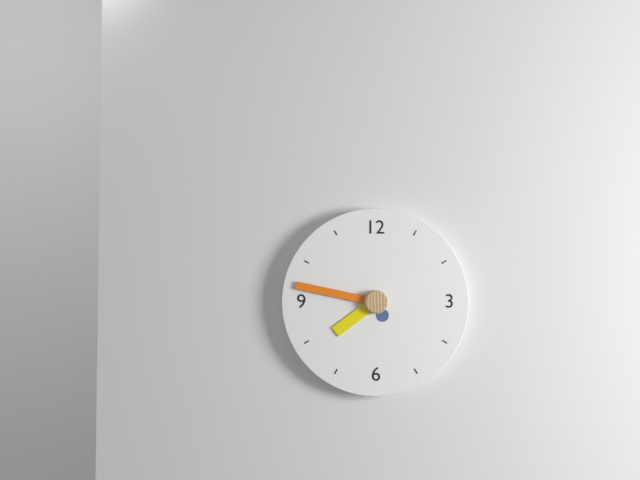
7.47
